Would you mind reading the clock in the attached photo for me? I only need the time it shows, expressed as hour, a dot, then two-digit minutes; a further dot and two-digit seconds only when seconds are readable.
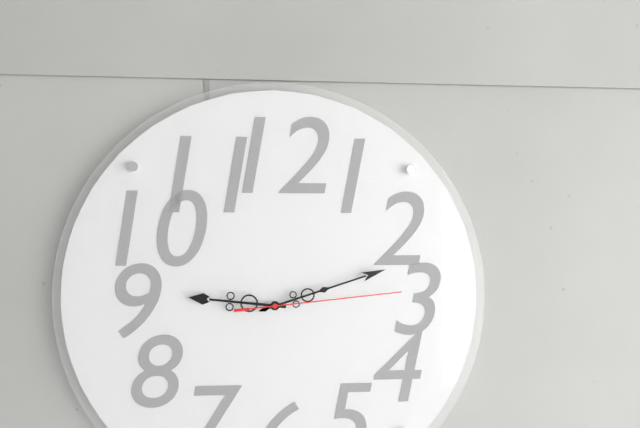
9.12.14
